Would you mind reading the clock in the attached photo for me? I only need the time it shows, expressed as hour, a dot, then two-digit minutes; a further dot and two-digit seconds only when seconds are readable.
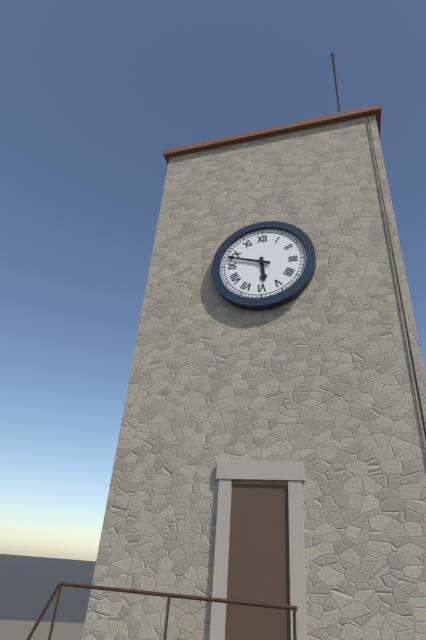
5.48
